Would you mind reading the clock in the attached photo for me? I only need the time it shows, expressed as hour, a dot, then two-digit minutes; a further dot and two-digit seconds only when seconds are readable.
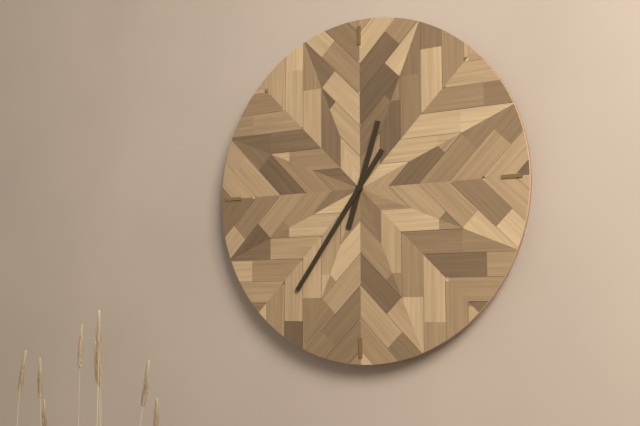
12.36
